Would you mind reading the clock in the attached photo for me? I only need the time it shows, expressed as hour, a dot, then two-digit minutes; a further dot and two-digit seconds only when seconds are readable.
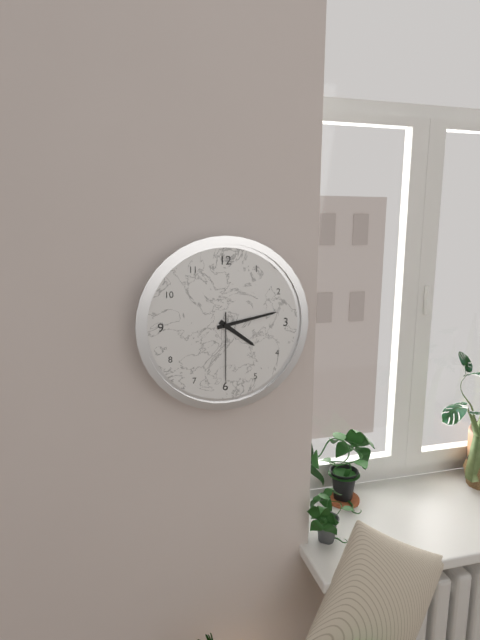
4.13.30
